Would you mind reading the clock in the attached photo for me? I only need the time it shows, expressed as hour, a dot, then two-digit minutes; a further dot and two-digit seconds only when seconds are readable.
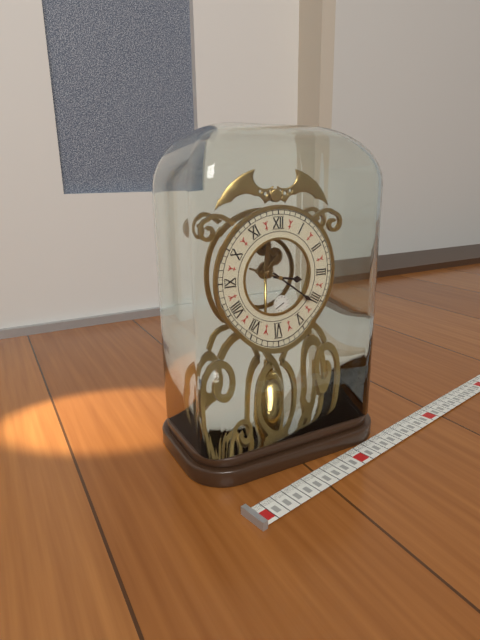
3.21
